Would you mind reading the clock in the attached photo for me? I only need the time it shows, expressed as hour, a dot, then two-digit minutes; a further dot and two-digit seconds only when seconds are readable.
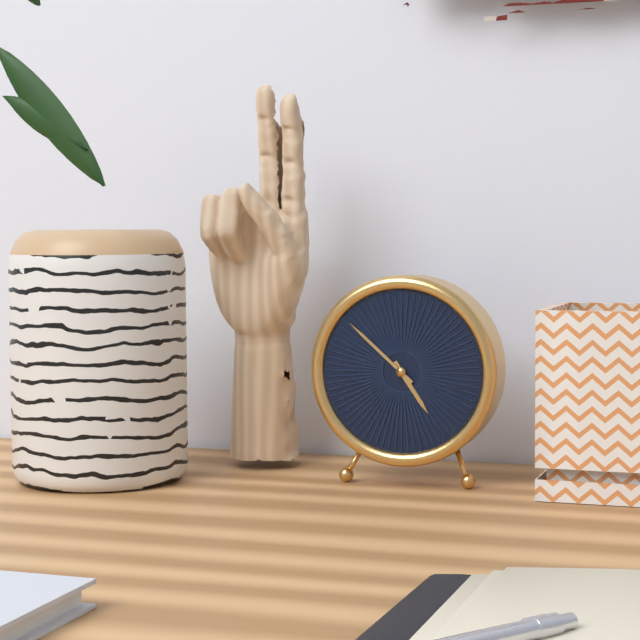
4.52
